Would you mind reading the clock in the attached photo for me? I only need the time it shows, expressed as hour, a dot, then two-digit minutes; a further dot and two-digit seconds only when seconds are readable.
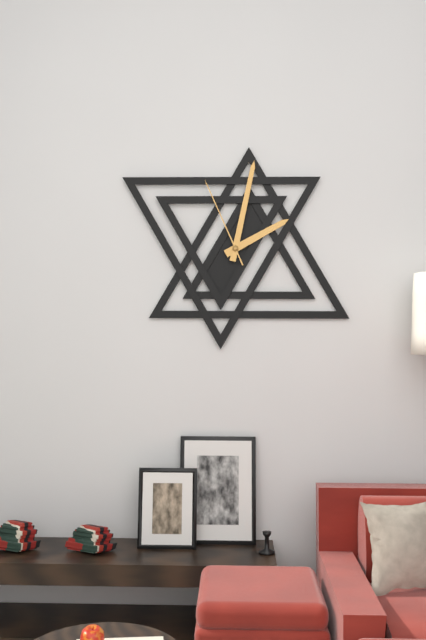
2.02.56
